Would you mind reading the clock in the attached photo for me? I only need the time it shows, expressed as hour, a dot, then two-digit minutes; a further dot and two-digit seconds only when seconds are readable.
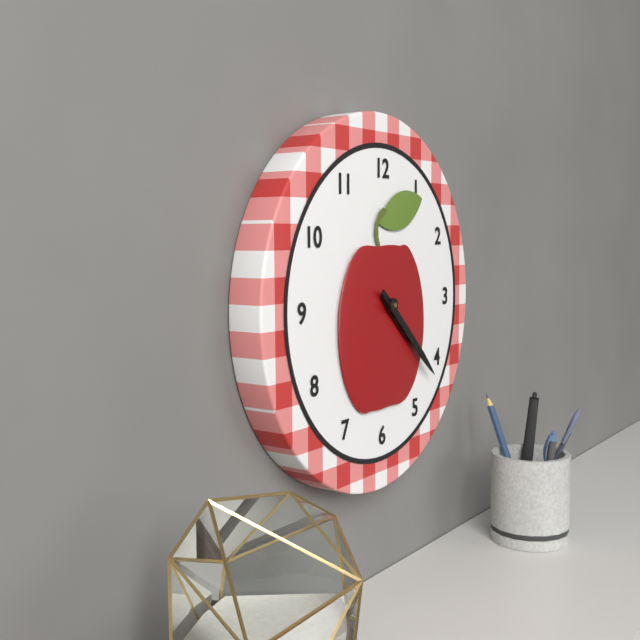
4.22
